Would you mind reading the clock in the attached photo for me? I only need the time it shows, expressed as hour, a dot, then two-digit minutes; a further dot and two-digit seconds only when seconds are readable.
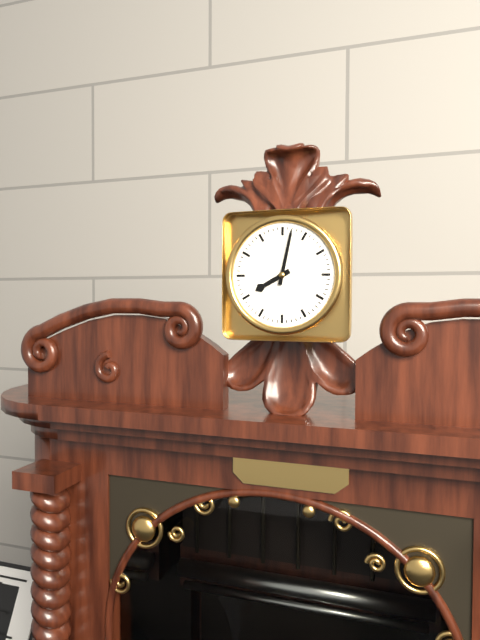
8.02
